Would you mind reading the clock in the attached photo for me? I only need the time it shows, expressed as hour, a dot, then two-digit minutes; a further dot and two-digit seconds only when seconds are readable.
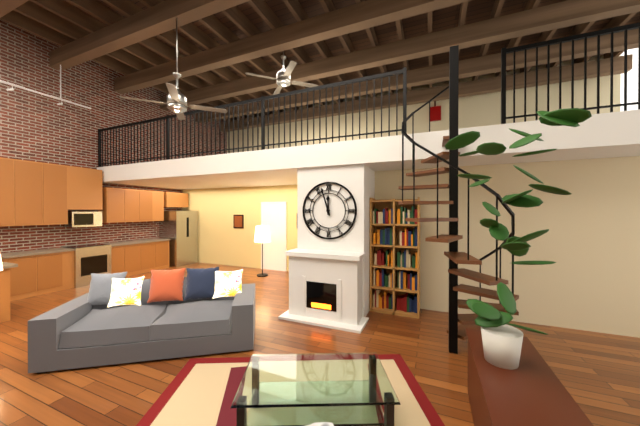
11.57
